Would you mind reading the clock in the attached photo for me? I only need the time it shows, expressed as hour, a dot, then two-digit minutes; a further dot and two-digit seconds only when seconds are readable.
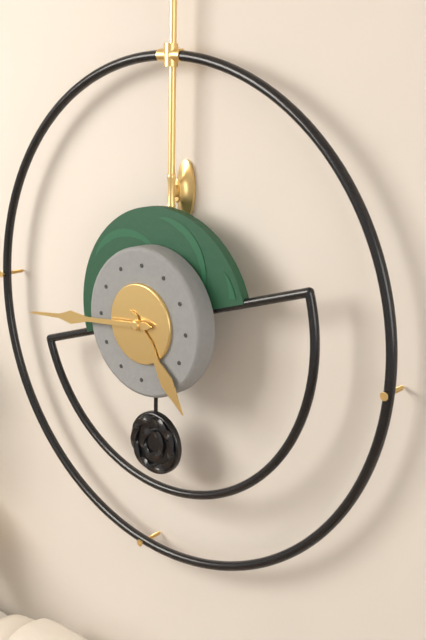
4.44
